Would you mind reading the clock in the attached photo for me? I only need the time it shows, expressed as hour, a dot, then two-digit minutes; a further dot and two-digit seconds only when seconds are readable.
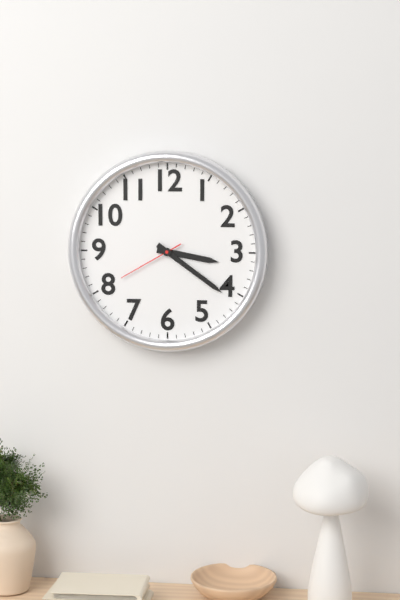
3.21.40
